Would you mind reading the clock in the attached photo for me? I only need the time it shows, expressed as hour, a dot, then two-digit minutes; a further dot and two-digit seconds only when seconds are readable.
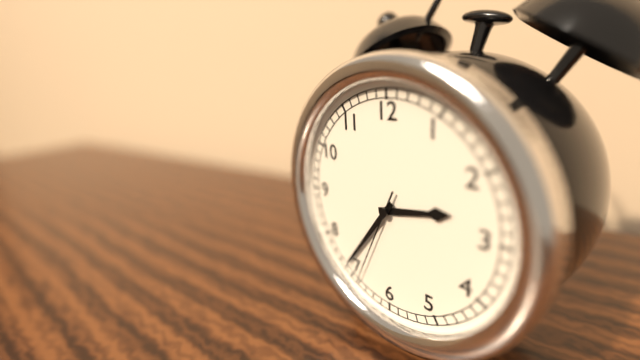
2.36.34
